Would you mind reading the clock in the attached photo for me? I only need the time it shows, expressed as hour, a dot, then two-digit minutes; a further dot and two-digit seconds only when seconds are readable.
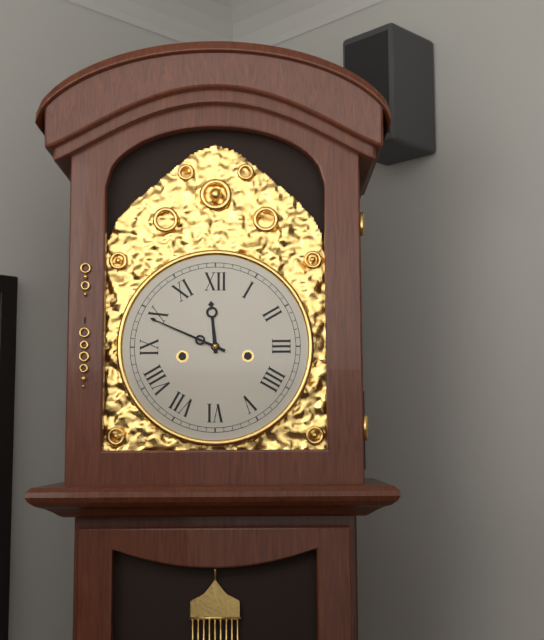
11.49
